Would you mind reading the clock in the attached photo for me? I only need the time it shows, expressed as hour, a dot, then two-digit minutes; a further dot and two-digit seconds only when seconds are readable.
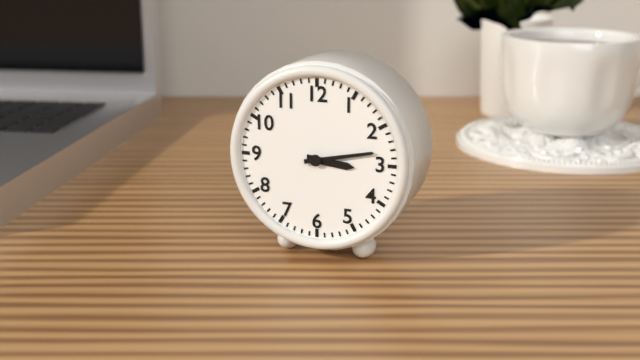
3.13
